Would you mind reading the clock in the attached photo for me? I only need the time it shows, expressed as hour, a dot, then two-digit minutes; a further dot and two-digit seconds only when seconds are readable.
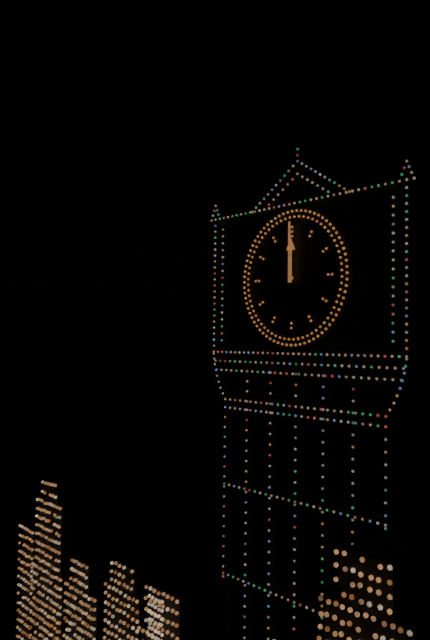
12.00
